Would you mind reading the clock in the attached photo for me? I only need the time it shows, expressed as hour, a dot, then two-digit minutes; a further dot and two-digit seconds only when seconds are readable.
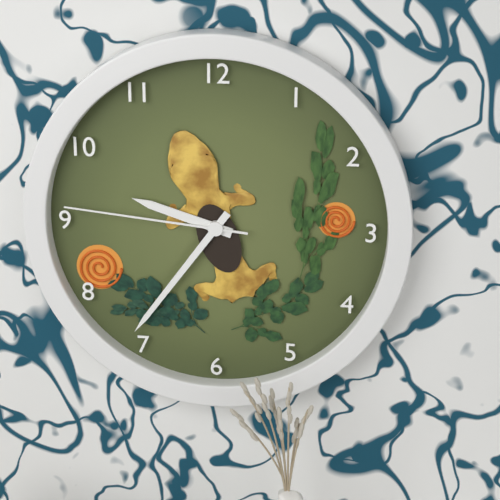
9.36.46
